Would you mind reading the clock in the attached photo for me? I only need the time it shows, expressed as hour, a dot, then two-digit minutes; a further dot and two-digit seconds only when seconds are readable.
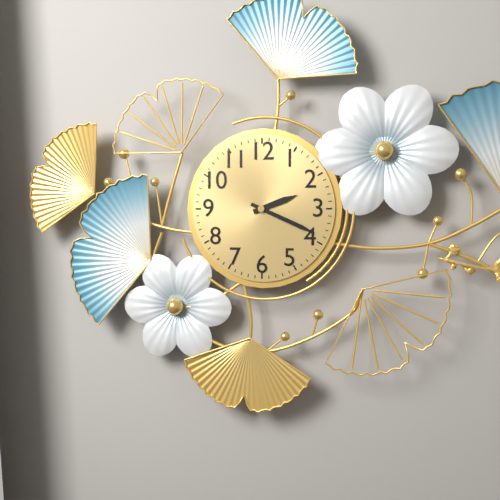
2.19
